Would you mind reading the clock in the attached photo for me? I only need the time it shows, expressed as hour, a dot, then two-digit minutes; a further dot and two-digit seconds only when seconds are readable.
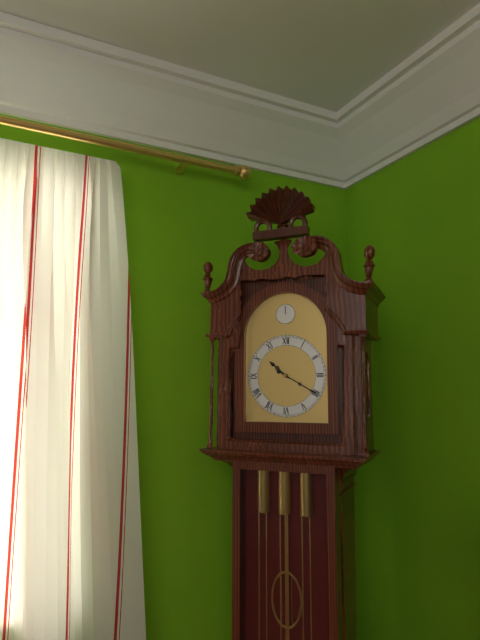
10.20
